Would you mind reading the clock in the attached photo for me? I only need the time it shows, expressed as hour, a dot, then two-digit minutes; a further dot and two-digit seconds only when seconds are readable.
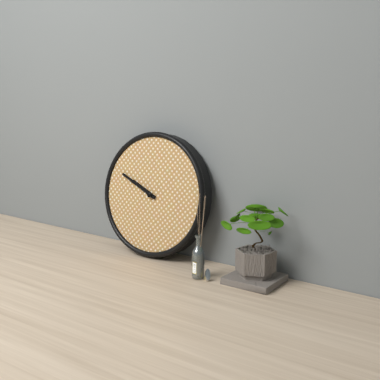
9.49
